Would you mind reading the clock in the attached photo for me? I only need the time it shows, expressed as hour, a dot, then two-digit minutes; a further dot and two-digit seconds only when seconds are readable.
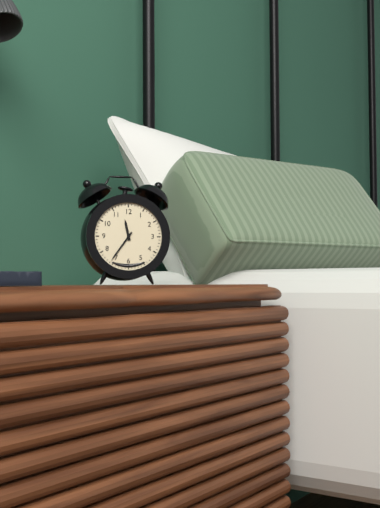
11.36
